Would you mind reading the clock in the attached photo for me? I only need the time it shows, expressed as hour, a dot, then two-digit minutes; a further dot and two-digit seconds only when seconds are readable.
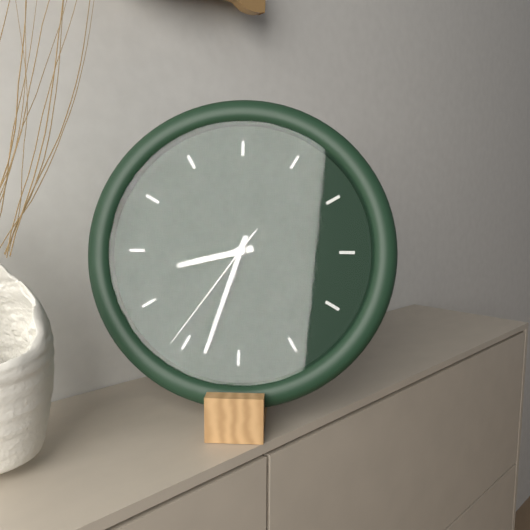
8.33.36
